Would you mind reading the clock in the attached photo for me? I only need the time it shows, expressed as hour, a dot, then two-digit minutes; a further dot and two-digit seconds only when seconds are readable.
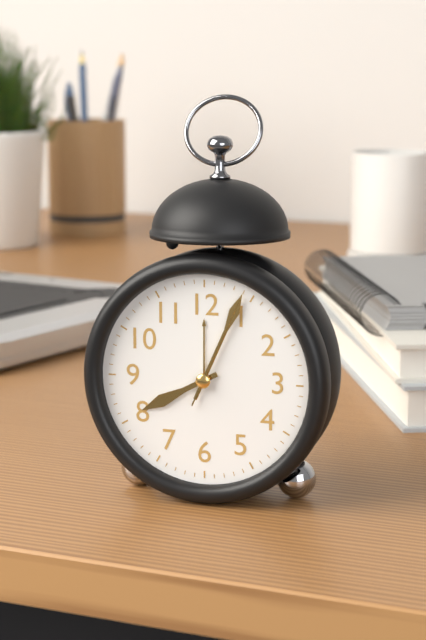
8.04.04
